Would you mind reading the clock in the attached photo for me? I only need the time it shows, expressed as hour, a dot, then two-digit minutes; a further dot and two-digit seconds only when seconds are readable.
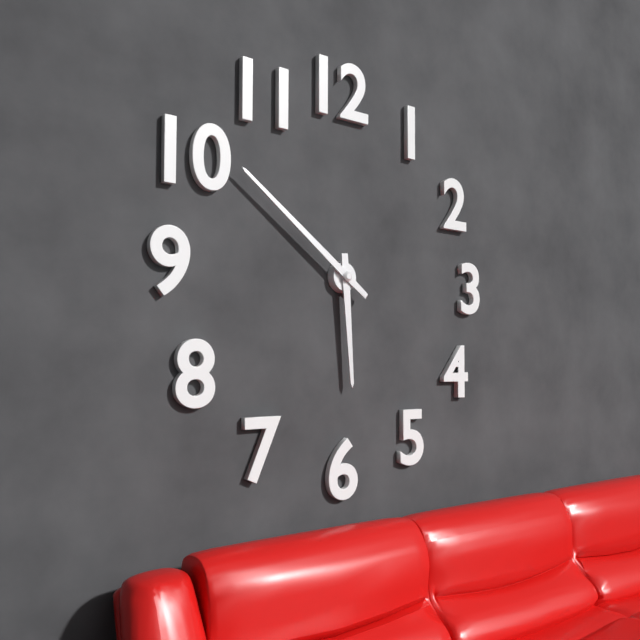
5.51
